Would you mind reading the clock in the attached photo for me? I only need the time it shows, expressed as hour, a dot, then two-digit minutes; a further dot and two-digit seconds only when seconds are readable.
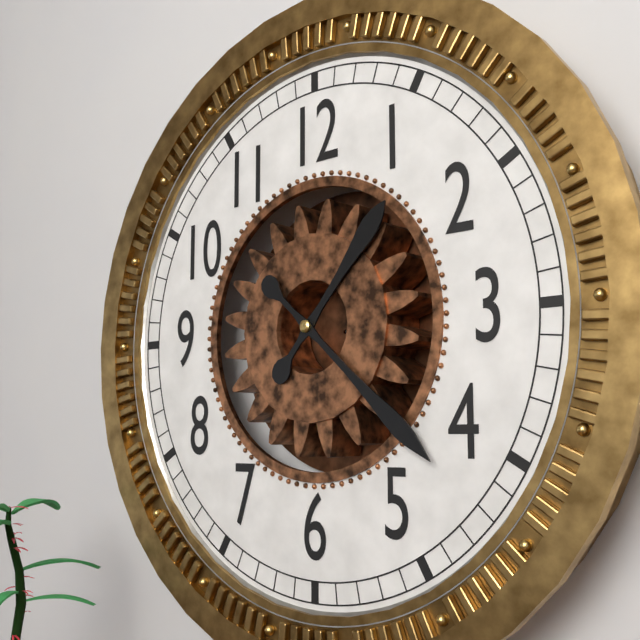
1.22
